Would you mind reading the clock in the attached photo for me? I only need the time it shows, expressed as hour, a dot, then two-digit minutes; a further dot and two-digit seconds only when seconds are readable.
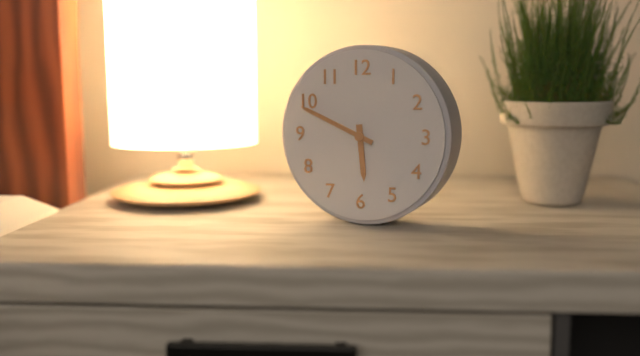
5.49
